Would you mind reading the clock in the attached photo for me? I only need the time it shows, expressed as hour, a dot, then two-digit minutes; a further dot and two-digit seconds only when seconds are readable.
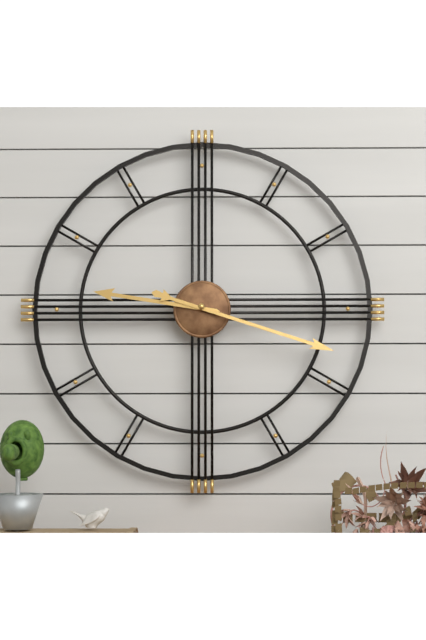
9.18
